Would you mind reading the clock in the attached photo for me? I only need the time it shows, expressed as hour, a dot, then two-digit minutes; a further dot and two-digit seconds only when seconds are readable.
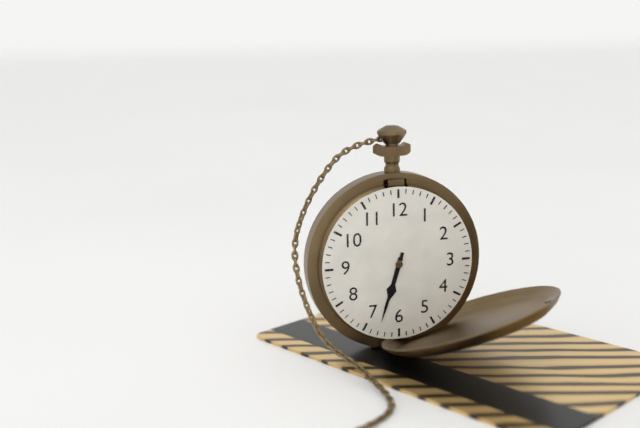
6.33
